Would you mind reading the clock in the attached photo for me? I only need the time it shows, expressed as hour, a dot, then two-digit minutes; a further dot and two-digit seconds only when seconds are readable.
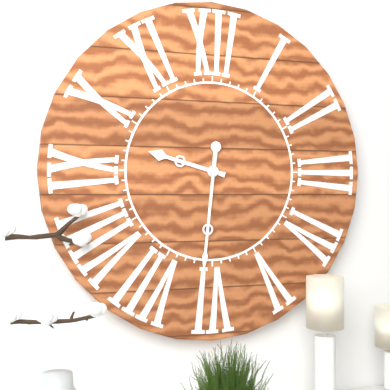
9.31
